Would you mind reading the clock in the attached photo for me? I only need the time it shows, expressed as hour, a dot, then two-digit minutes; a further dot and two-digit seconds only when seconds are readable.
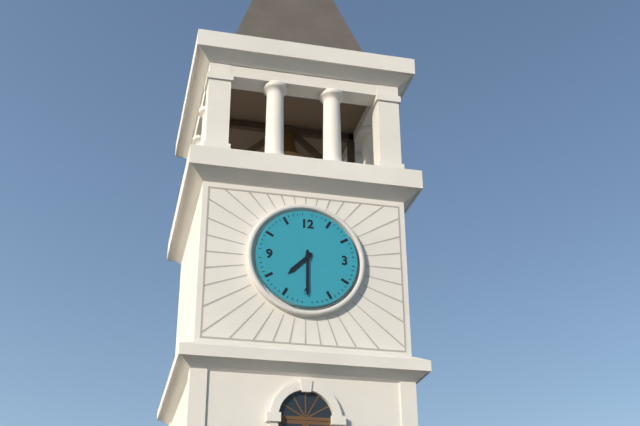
7.30
